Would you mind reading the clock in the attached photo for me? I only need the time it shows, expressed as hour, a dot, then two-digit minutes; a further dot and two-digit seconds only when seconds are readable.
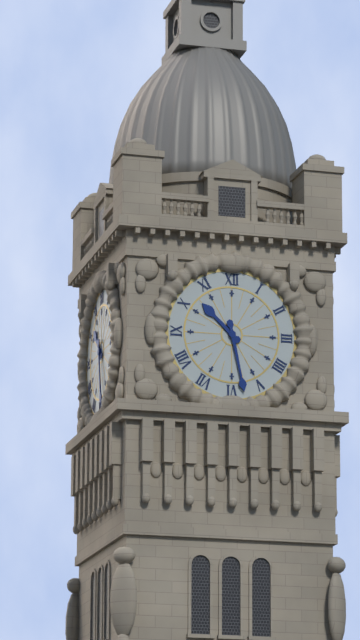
10.28
